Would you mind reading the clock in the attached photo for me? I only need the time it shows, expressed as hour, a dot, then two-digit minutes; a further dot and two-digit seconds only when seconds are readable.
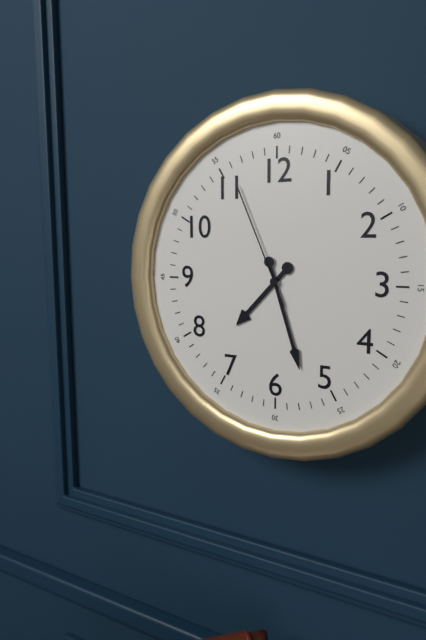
7.27.56
